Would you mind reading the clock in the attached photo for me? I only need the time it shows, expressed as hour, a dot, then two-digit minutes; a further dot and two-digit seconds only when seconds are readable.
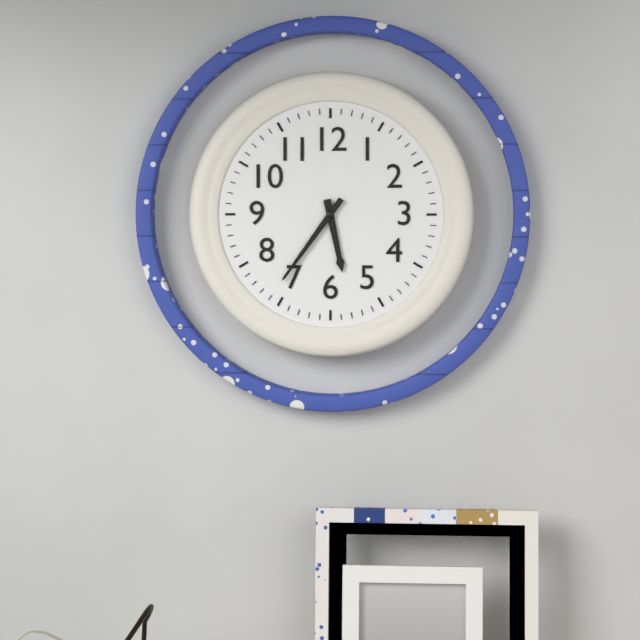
5.36
